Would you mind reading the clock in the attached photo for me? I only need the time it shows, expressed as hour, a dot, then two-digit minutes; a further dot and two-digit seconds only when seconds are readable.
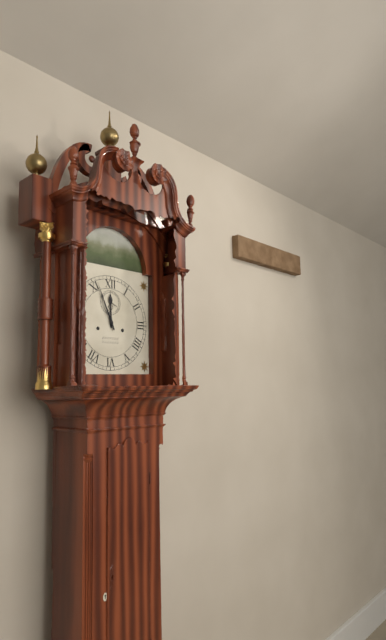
11.56
